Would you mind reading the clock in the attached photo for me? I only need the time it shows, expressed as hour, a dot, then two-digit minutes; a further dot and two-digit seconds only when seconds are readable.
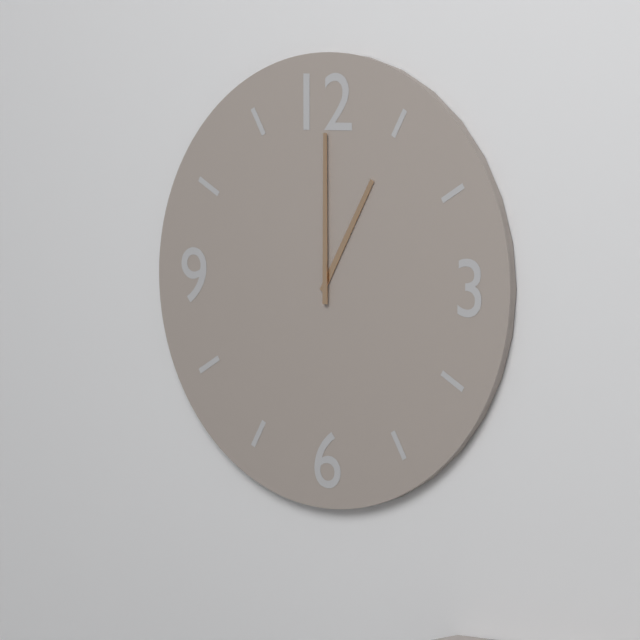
1.00
